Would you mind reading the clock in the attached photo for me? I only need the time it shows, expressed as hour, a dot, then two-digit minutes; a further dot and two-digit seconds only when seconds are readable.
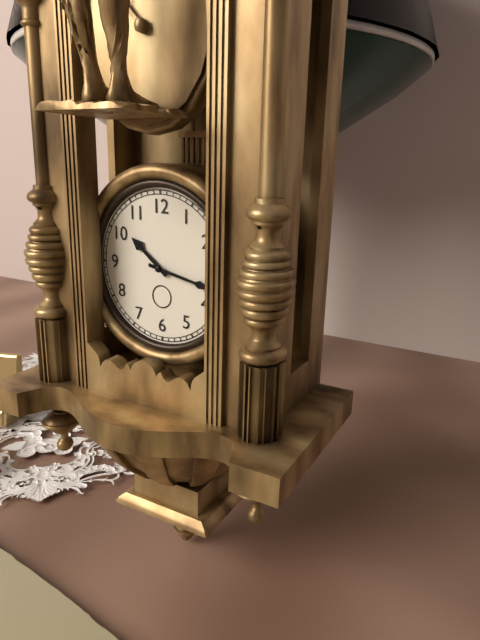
10.17
